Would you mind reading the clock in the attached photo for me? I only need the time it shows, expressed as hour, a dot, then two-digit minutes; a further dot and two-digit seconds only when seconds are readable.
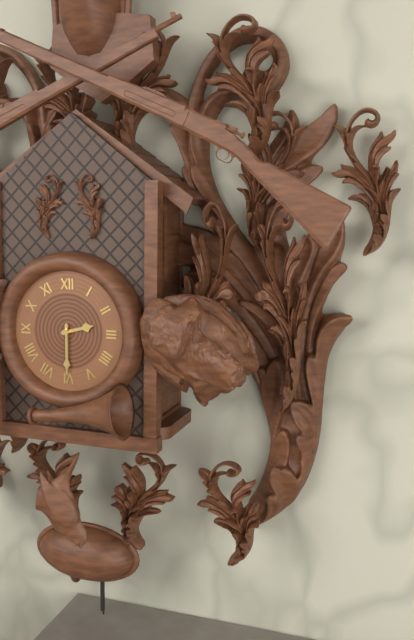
2.30
